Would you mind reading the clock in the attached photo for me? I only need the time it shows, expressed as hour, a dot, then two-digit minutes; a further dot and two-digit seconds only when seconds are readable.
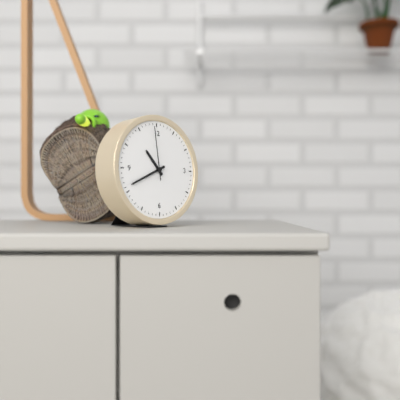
10.41.59
